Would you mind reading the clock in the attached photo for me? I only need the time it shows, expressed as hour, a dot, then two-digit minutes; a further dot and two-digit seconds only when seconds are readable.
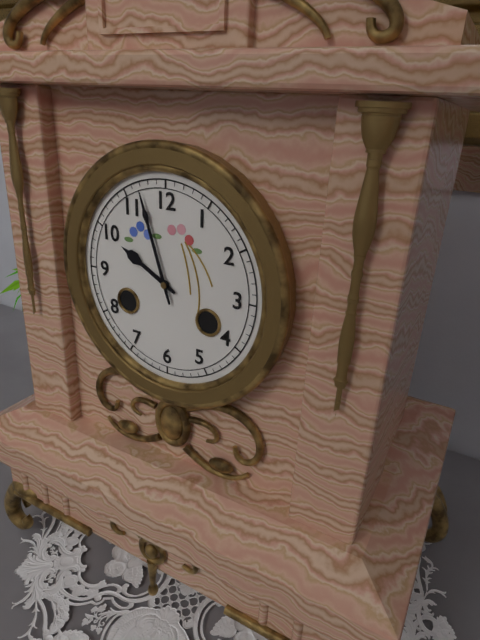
9.57
